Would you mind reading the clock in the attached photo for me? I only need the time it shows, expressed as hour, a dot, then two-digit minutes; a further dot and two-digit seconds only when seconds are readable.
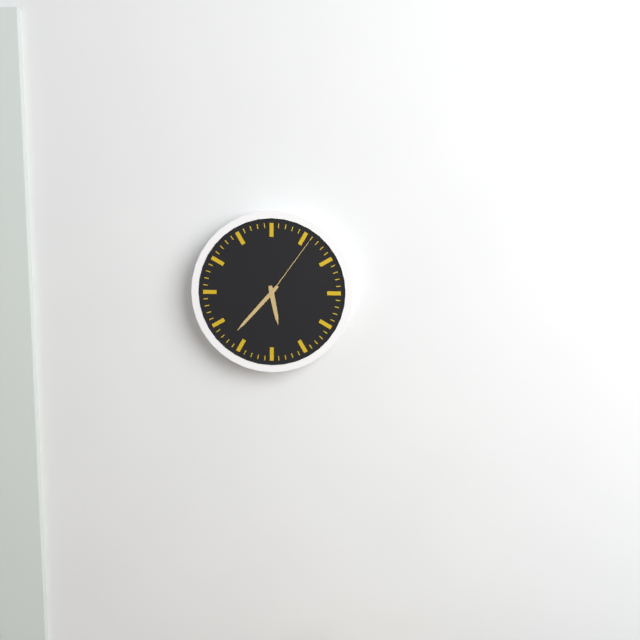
5.37.06
